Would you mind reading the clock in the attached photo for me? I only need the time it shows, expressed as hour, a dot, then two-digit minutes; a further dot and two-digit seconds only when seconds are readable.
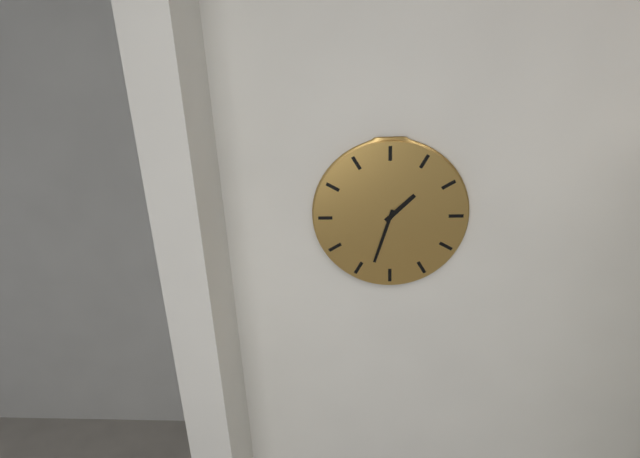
1.33
